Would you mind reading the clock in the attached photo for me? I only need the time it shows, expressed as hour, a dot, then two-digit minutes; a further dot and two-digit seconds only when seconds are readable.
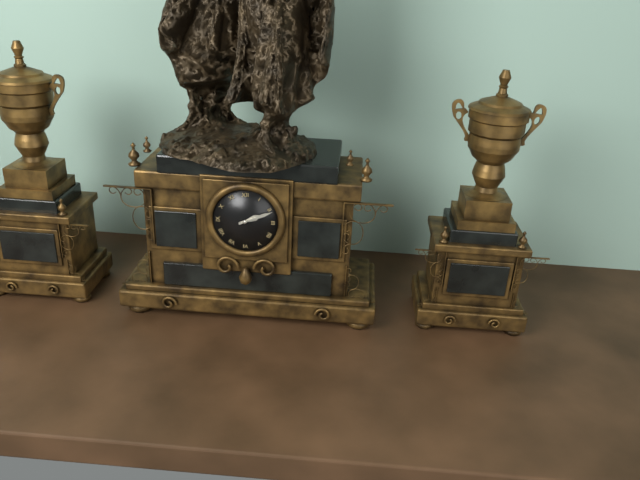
2.11
